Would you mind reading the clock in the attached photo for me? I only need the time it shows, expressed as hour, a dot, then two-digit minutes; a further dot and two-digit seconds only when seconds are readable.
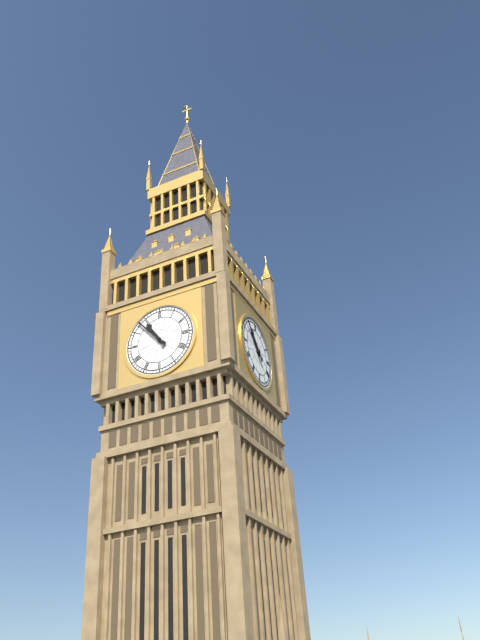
10.53
